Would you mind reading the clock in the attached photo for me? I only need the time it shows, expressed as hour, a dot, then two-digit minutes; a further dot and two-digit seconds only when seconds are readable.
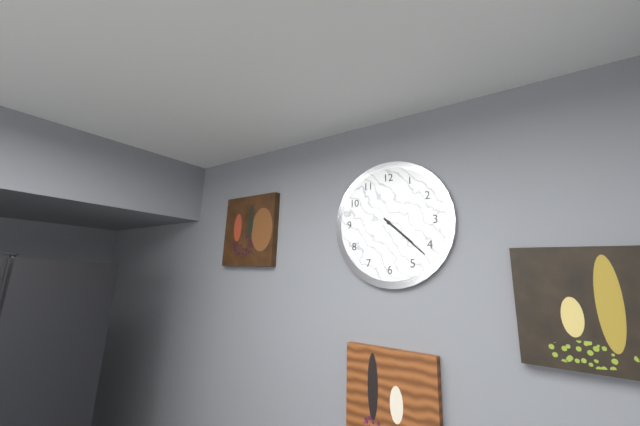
4.22
